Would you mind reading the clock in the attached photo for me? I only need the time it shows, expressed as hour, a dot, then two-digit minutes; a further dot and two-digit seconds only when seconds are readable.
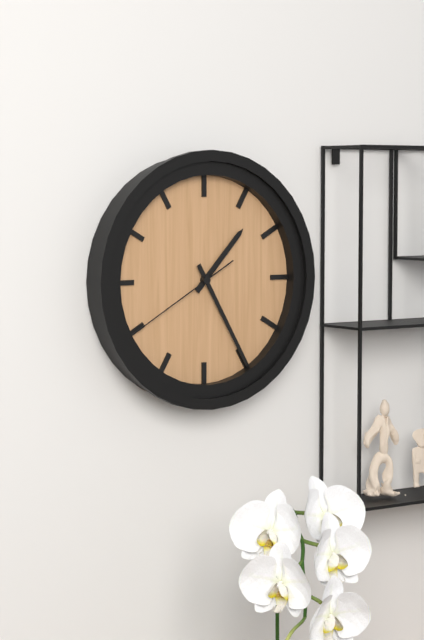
1.25.40
